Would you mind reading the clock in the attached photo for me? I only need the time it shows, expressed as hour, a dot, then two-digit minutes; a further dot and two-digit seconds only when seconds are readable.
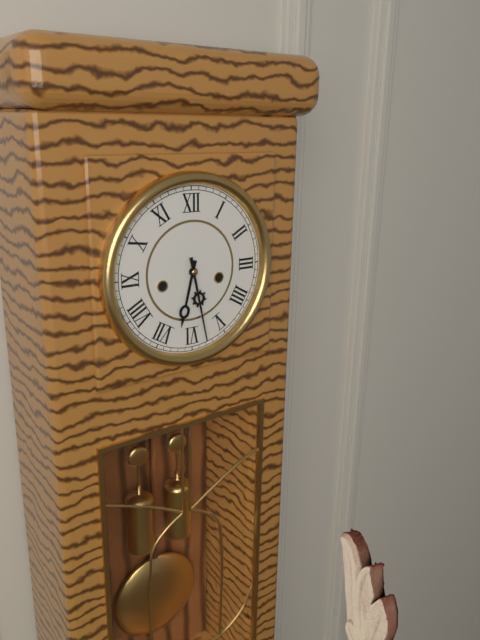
6.28
